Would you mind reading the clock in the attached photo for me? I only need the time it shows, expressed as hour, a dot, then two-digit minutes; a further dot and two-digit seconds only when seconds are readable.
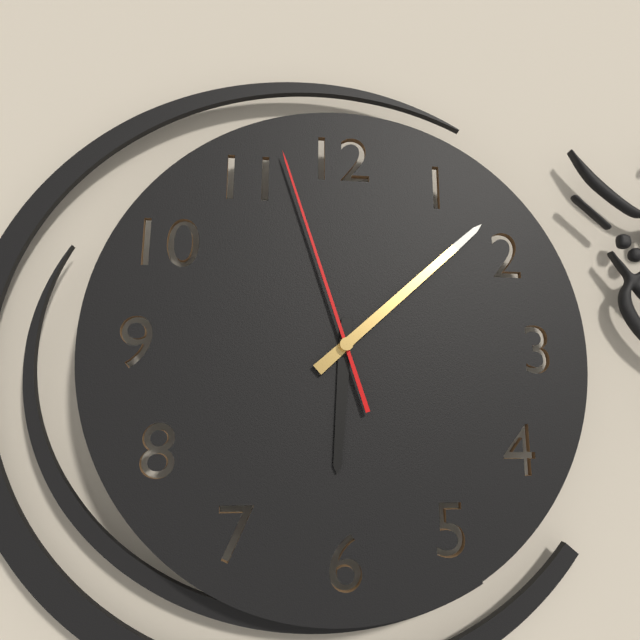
6.08.57
